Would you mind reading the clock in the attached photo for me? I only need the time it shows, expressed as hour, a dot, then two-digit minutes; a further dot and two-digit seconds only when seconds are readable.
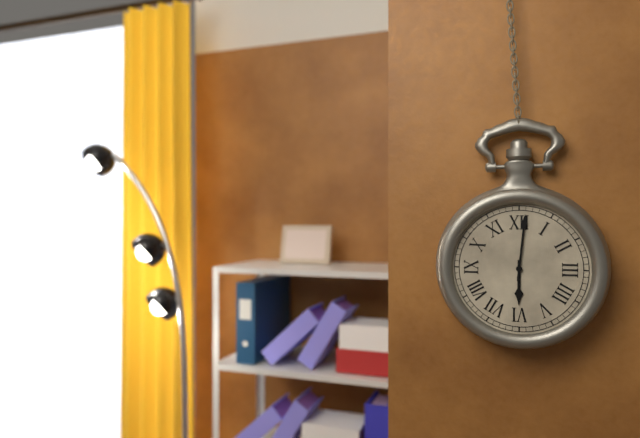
6.01
